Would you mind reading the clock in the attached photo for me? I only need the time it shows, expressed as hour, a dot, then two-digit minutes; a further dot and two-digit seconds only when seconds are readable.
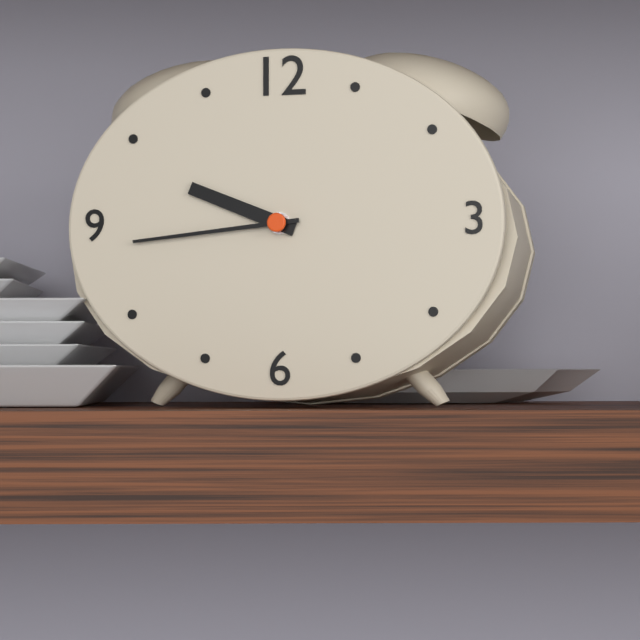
9.44
